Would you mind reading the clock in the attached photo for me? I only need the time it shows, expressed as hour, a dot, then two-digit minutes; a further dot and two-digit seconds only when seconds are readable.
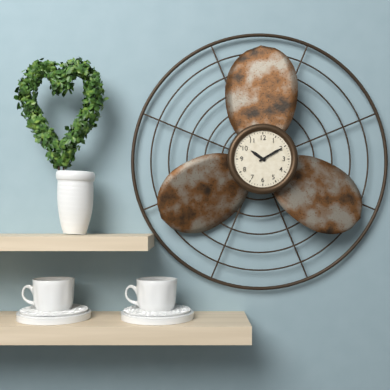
10.10
